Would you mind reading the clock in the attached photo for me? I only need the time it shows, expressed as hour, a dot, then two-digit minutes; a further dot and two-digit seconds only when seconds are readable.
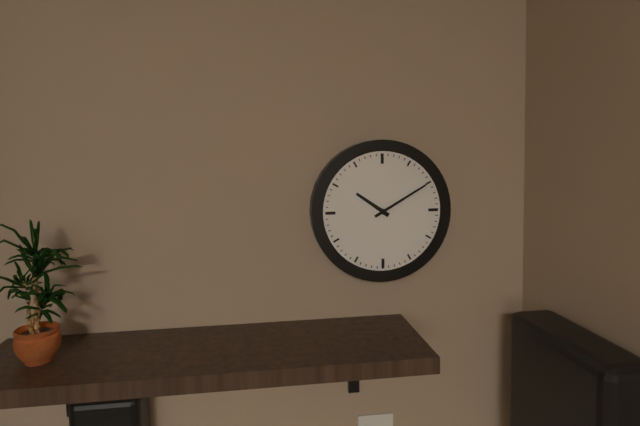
10.10
